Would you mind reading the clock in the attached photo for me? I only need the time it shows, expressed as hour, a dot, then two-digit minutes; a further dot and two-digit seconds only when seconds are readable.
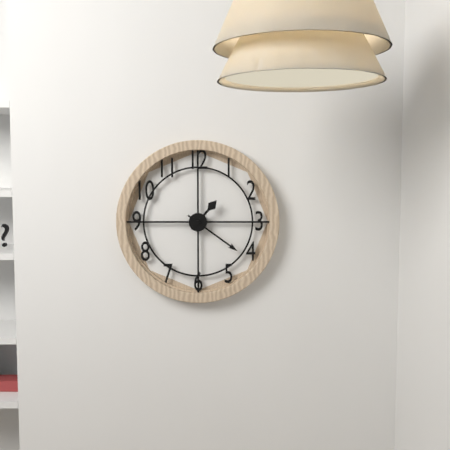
1.21
